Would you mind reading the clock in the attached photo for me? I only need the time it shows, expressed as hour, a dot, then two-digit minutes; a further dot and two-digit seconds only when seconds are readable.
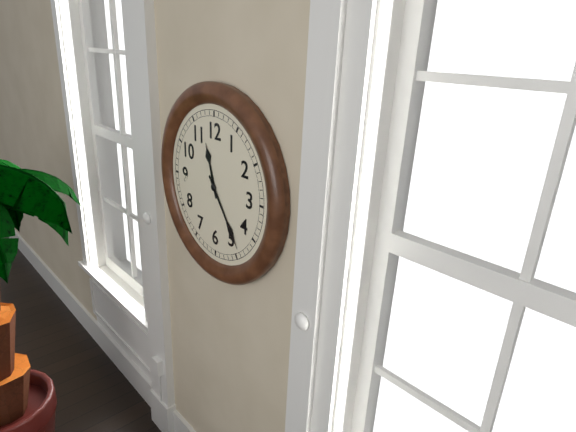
11.24
